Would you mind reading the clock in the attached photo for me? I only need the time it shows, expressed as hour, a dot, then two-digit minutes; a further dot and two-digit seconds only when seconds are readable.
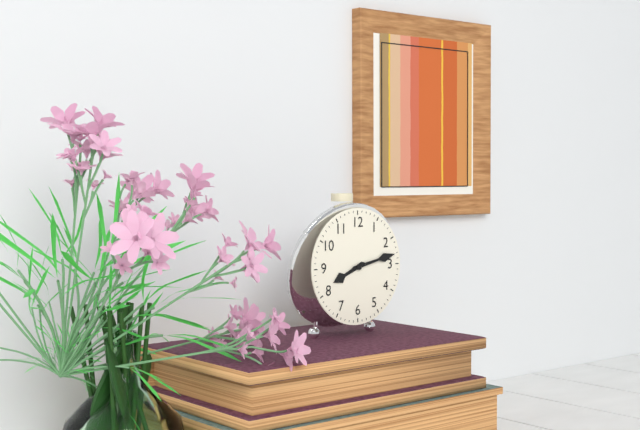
8.13
